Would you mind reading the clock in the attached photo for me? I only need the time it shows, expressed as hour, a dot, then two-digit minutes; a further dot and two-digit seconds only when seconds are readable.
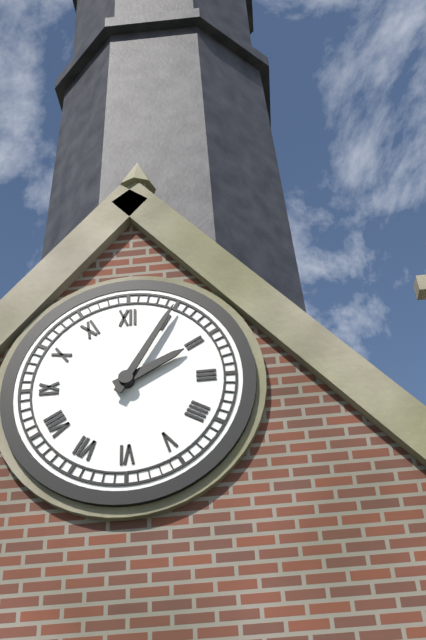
2.05
